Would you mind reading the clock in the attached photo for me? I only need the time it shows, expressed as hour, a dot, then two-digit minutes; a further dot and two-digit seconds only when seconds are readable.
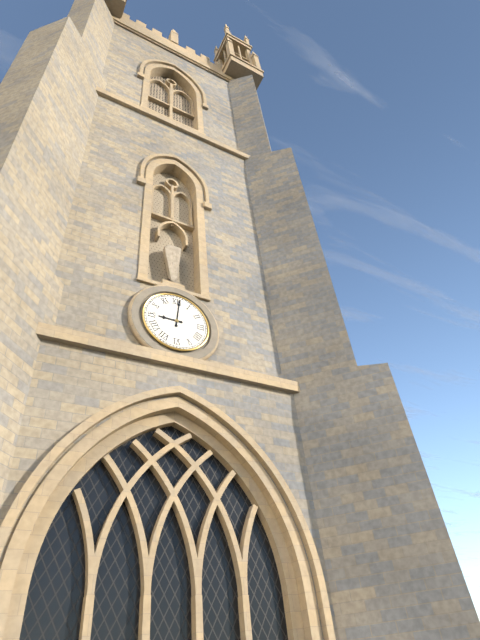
9.01
